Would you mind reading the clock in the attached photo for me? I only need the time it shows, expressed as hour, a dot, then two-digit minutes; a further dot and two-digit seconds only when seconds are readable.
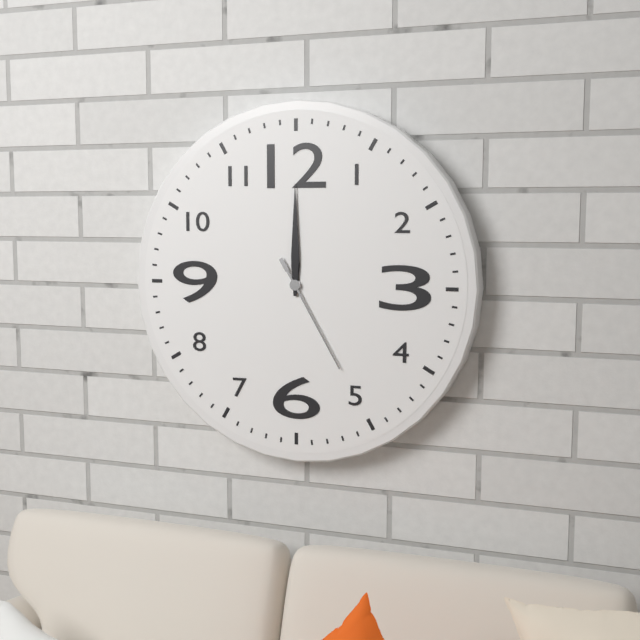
12.00.25
